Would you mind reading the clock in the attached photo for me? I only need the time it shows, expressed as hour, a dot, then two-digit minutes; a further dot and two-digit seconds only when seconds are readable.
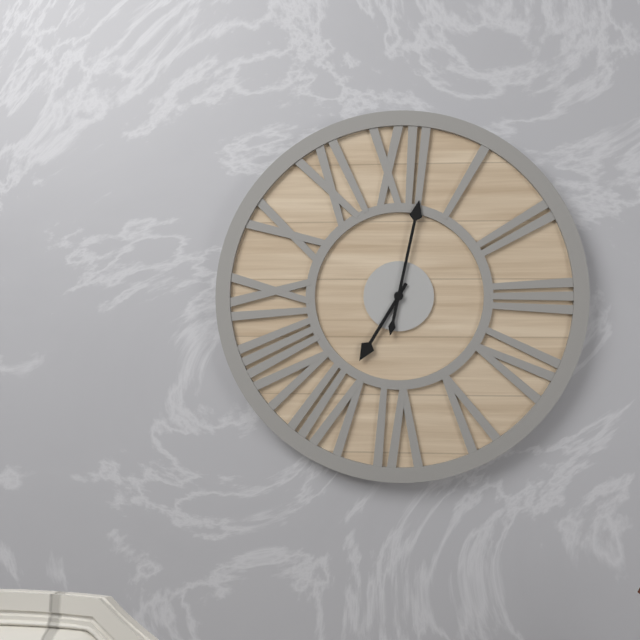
7.02
